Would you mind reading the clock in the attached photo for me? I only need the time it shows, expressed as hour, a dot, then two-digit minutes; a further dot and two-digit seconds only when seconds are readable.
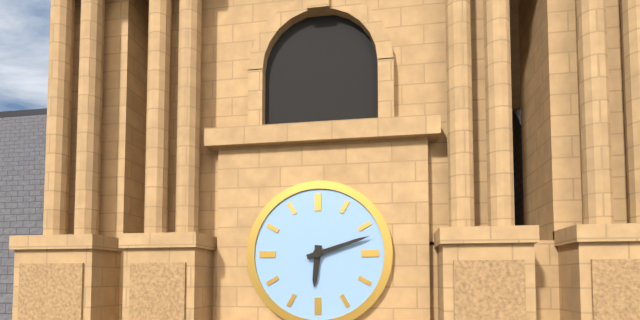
6.12
